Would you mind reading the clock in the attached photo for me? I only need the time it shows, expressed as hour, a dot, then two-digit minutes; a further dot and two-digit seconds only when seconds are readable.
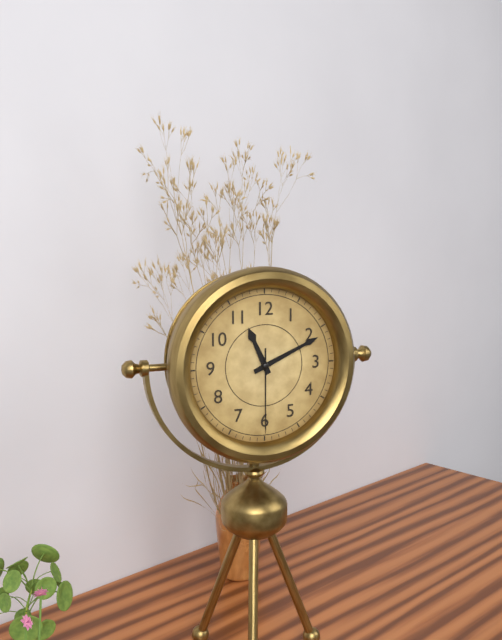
11.11.30
